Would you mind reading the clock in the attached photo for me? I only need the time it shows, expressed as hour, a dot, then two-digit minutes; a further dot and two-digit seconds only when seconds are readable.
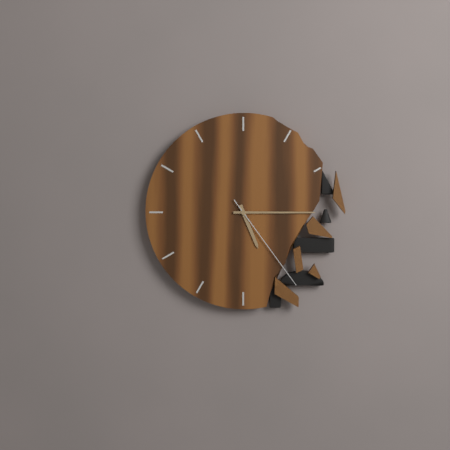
5.15.24
